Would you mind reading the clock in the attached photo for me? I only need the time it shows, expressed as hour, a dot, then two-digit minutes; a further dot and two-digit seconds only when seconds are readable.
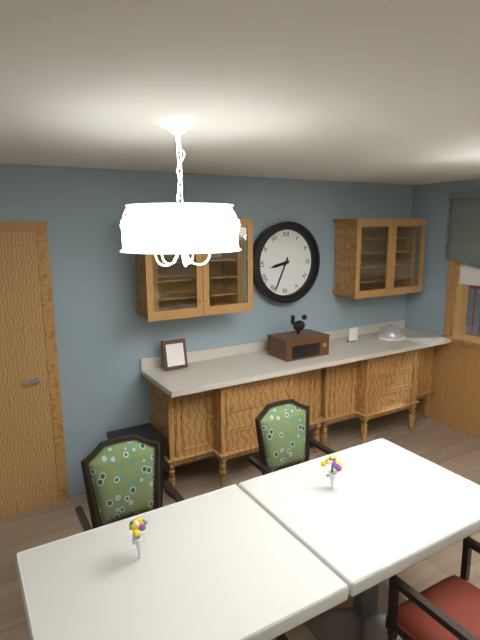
8.34
